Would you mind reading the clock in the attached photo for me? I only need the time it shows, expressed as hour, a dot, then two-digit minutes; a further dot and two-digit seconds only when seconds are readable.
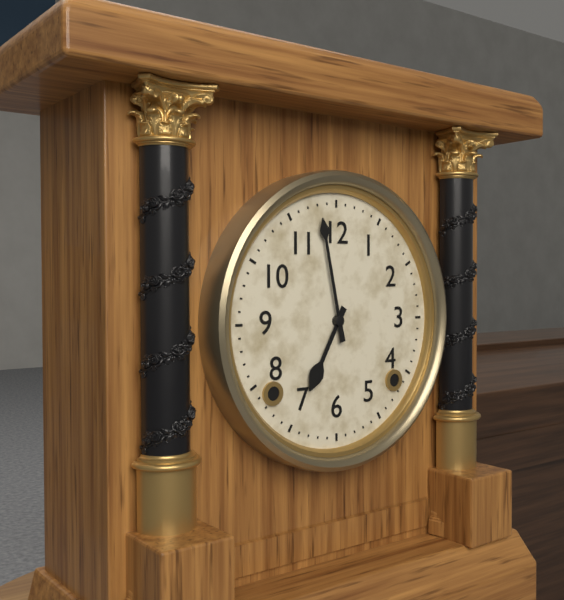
6.58
